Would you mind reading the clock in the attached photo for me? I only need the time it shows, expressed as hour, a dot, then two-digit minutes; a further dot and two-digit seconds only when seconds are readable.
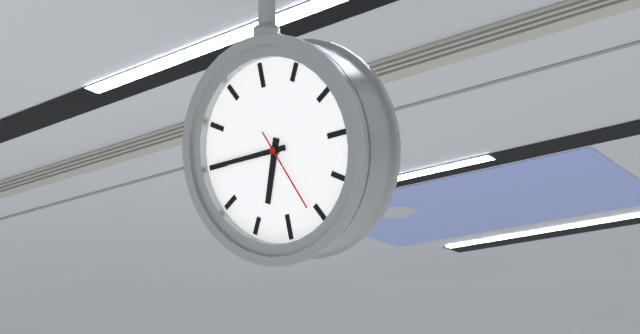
6.45.26
